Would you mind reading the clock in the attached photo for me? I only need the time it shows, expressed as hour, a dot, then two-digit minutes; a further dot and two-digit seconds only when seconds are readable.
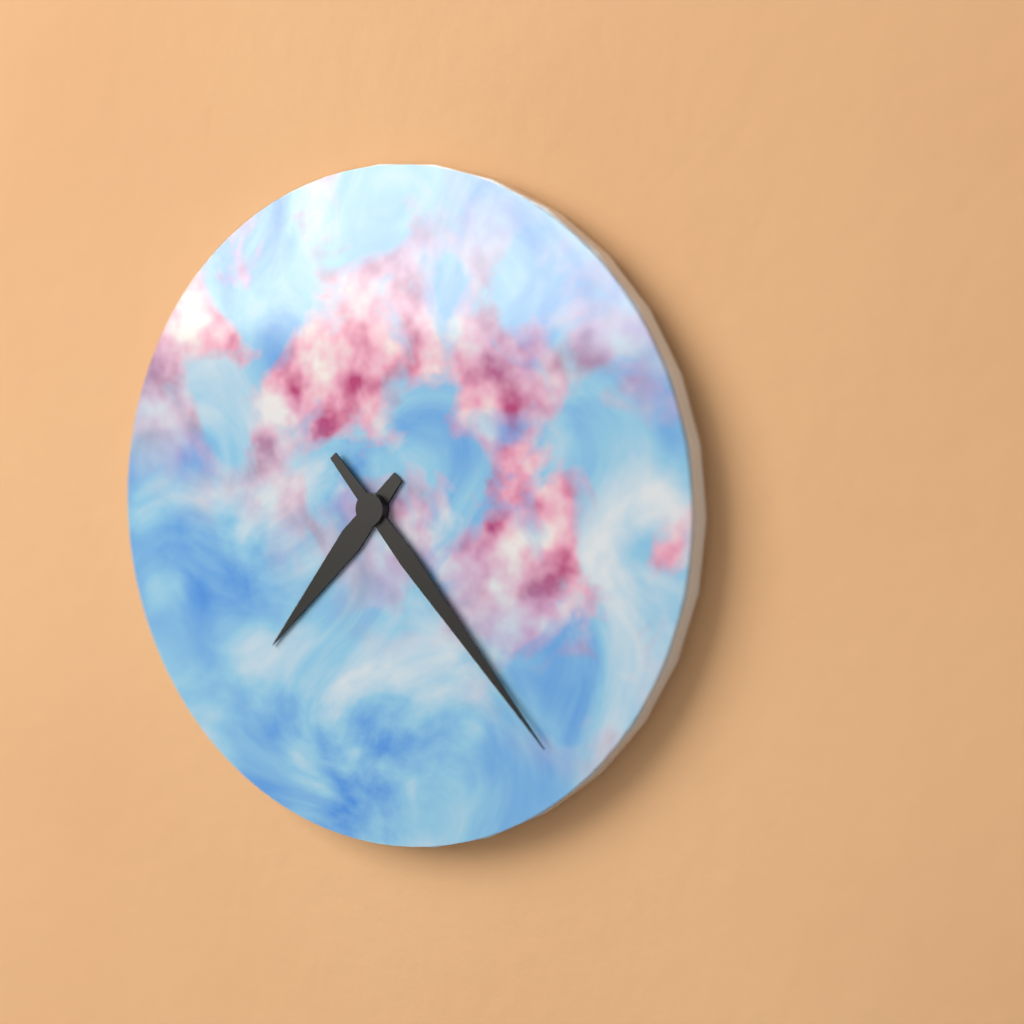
7.23
